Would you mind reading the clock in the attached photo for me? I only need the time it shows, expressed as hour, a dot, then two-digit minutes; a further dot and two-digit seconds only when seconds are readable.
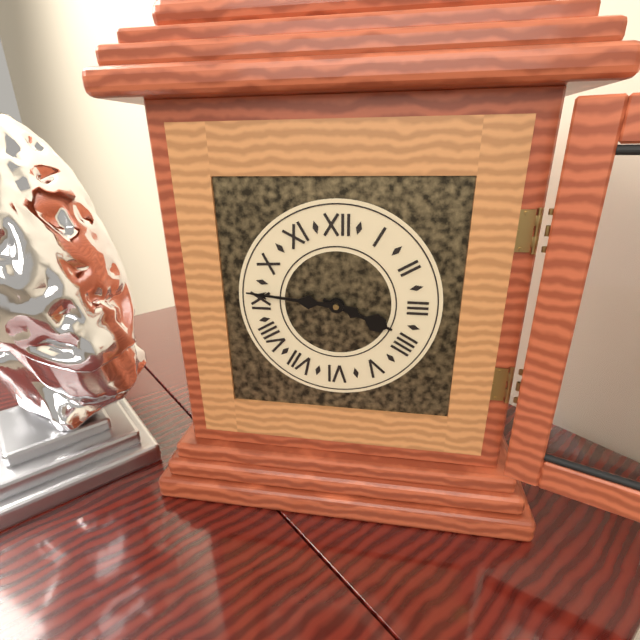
3.46
